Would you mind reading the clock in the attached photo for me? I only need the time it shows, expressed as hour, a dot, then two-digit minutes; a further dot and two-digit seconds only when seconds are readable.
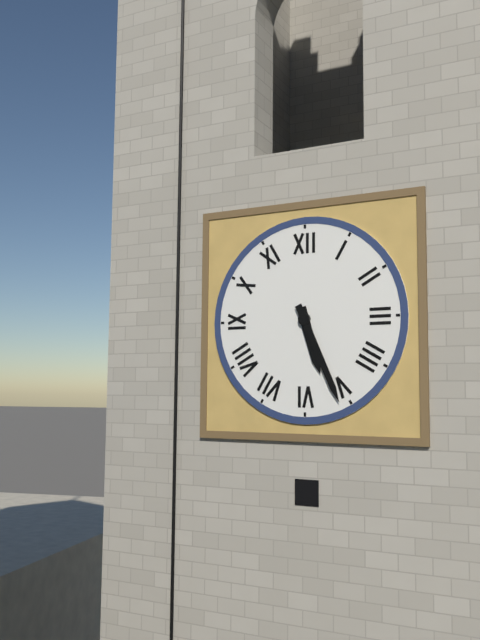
5.26
